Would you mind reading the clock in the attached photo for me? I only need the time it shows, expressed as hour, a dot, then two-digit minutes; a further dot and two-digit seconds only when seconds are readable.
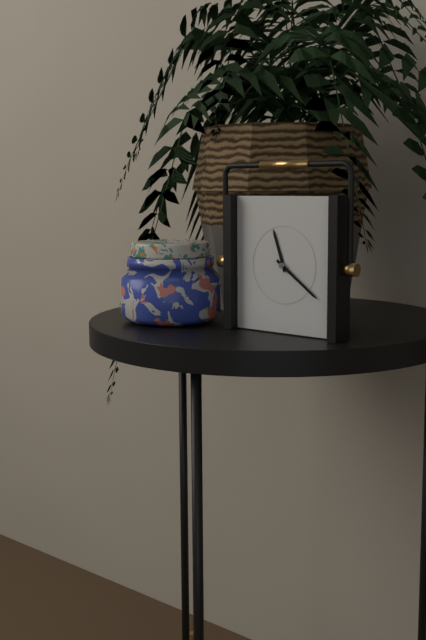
11.21
